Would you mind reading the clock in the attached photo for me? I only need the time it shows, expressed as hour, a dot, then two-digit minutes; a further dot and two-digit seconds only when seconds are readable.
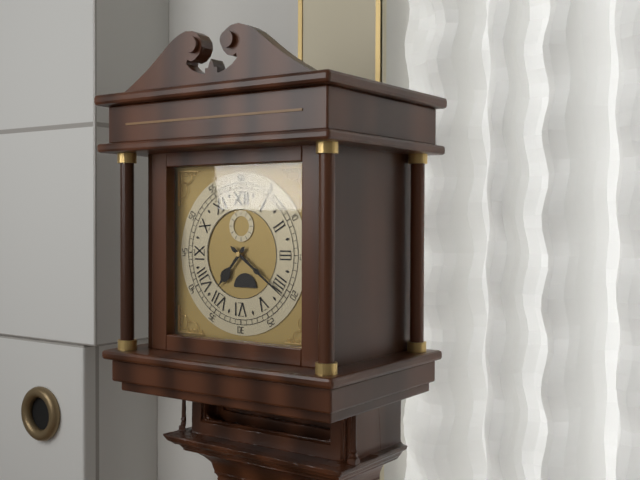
7.21
